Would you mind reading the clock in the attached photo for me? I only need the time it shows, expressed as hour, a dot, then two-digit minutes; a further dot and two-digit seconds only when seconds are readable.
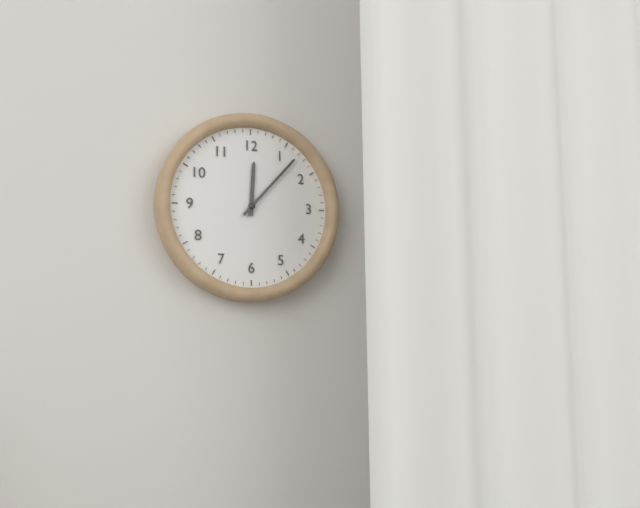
12.07
